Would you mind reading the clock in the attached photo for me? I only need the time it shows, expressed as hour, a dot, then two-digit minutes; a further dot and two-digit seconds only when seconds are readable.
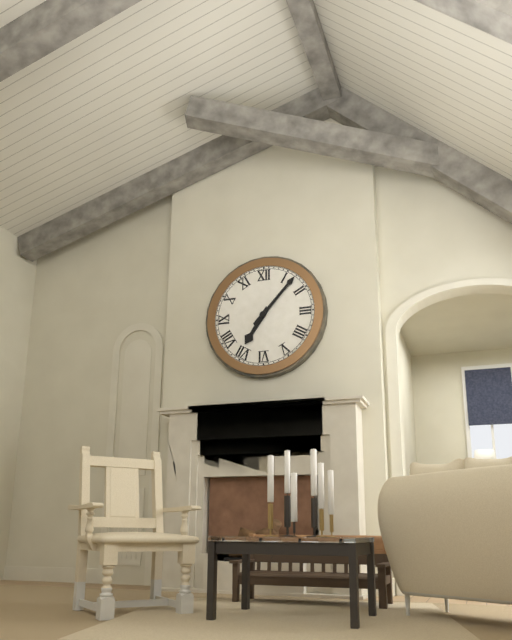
7.07
